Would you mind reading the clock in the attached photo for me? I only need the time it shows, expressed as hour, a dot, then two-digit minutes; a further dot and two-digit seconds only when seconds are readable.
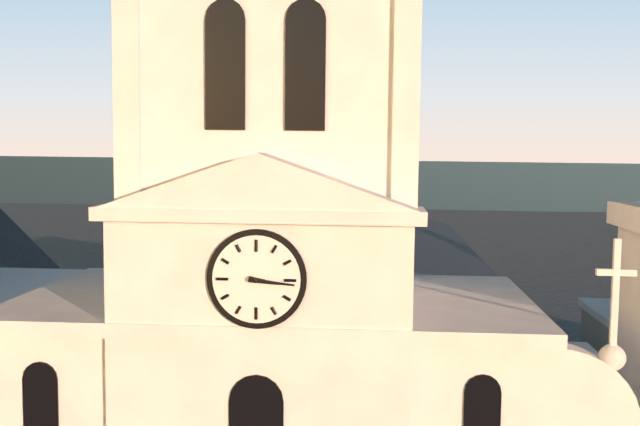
3.16
